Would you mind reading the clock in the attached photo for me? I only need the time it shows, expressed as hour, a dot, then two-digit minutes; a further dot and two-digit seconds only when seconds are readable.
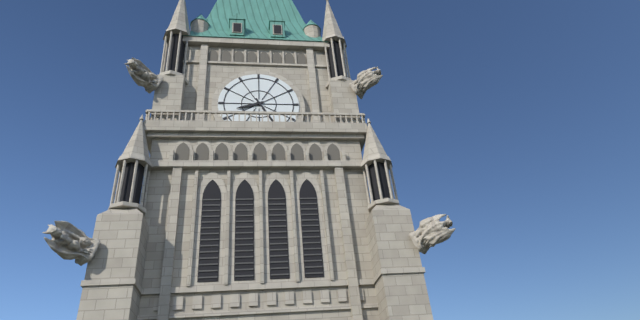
8.25
